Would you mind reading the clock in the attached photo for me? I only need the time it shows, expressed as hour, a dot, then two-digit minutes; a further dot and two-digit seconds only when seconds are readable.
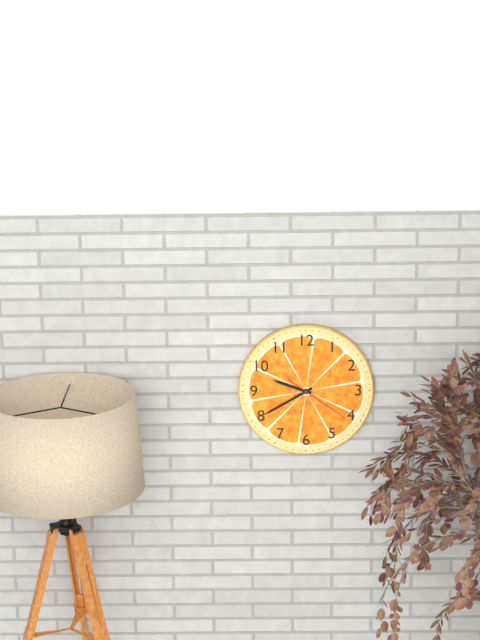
9.40.21
